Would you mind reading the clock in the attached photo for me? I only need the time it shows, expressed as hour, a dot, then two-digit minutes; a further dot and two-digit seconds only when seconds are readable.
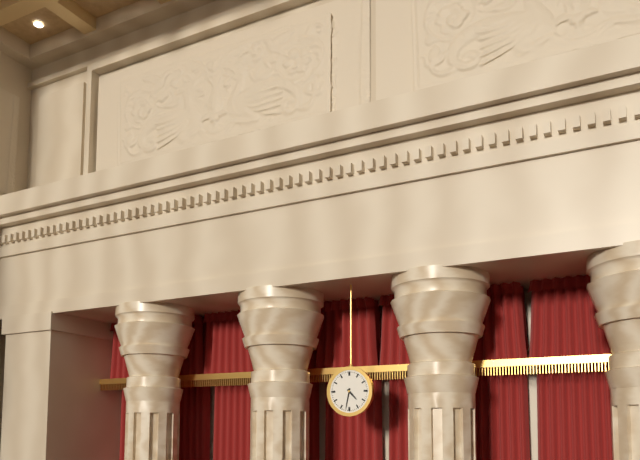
4.32
